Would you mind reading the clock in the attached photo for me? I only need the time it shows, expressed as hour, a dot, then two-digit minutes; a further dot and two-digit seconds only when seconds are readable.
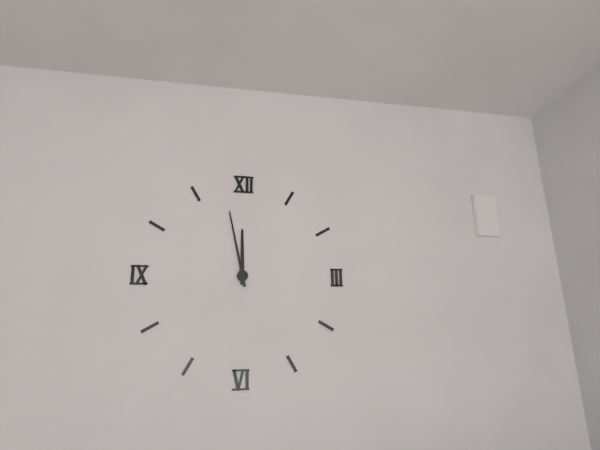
11.58
